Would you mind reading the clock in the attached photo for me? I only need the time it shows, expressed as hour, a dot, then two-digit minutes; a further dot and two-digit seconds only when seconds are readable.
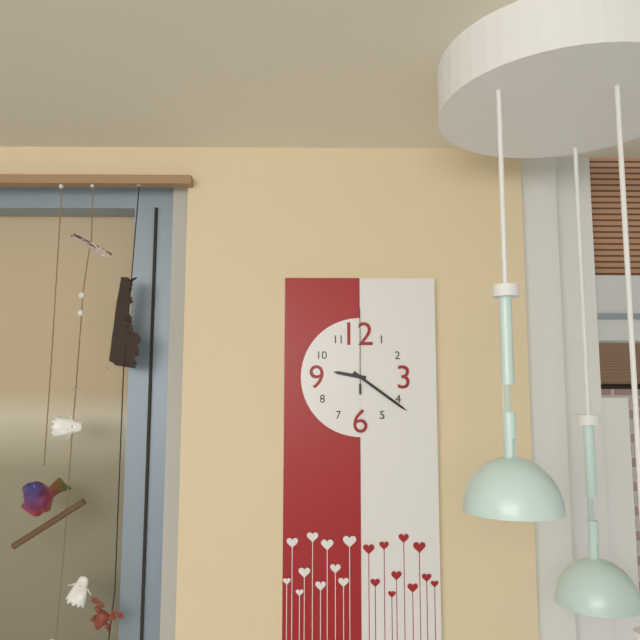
9.21.00
